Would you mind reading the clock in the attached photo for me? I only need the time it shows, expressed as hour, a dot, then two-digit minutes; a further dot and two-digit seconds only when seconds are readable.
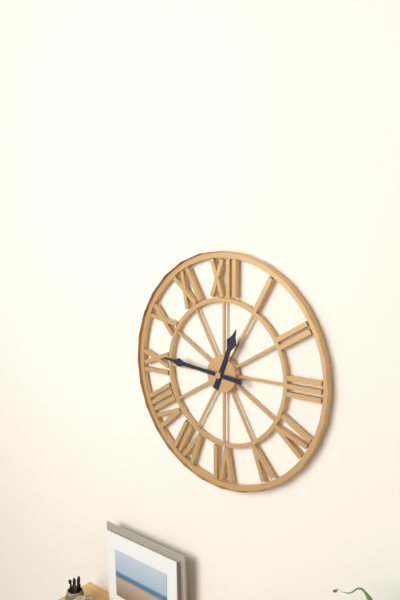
12.46
